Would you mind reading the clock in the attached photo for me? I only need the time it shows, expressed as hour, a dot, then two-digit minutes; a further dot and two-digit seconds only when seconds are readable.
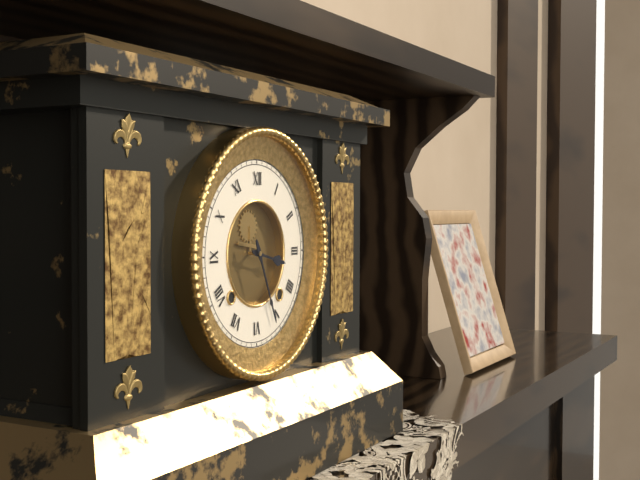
3.26
